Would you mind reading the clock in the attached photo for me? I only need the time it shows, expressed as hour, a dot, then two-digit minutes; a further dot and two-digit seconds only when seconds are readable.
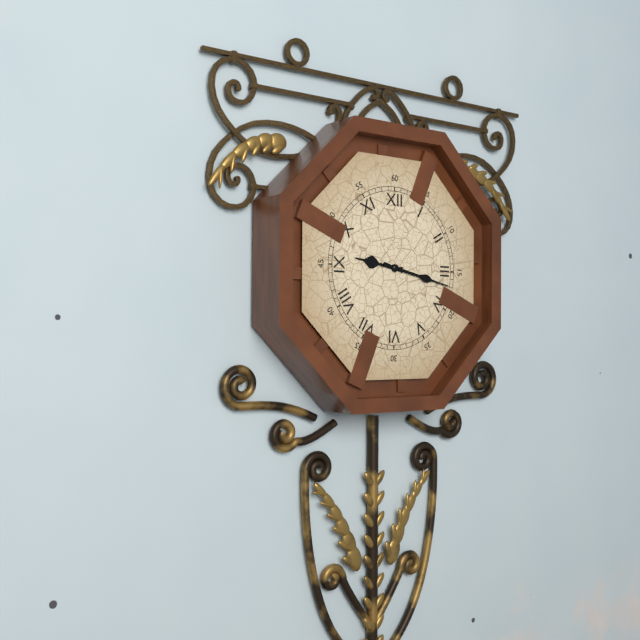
9.17
